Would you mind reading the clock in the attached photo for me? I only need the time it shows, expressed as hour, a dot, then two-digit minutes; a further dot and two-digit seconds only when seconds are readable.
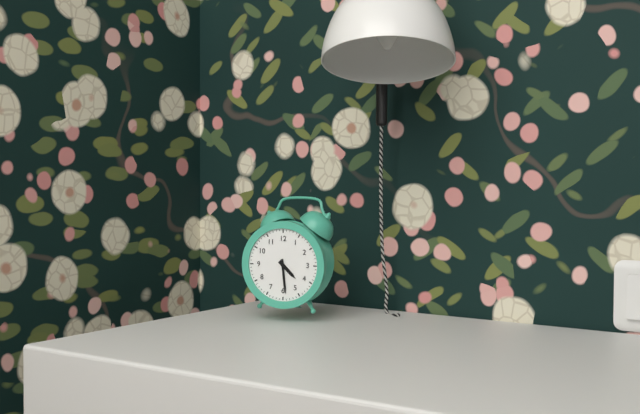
4.29
